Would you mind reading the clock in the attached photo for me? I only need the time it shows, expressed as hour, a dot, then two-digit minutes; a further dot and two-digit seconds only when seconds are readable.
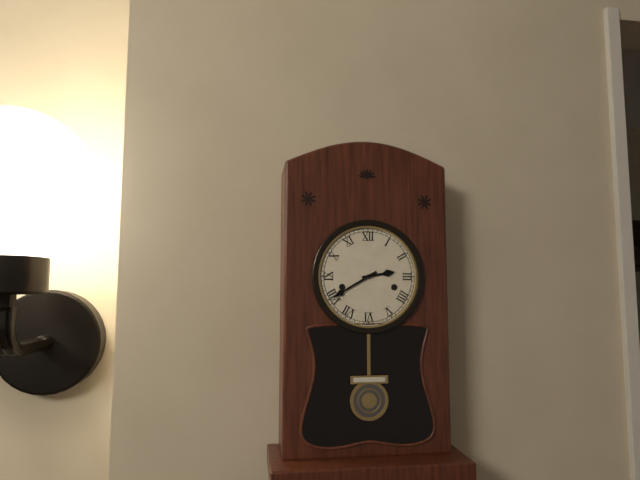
2.40
